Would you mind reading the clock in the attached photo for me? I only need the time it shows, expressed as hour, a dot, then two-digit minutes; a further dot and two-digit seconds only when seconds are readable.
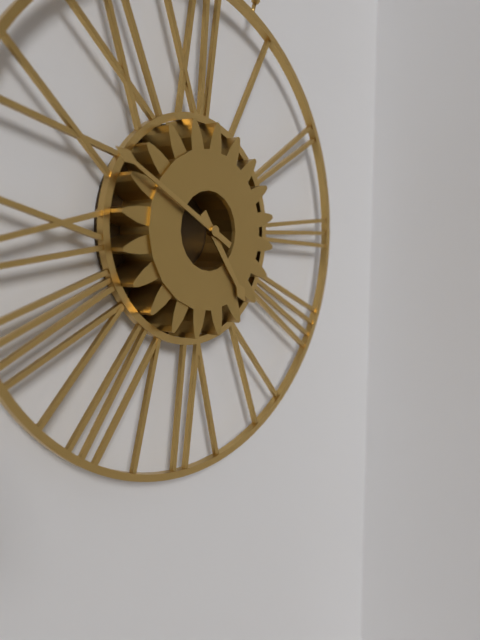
4.50
